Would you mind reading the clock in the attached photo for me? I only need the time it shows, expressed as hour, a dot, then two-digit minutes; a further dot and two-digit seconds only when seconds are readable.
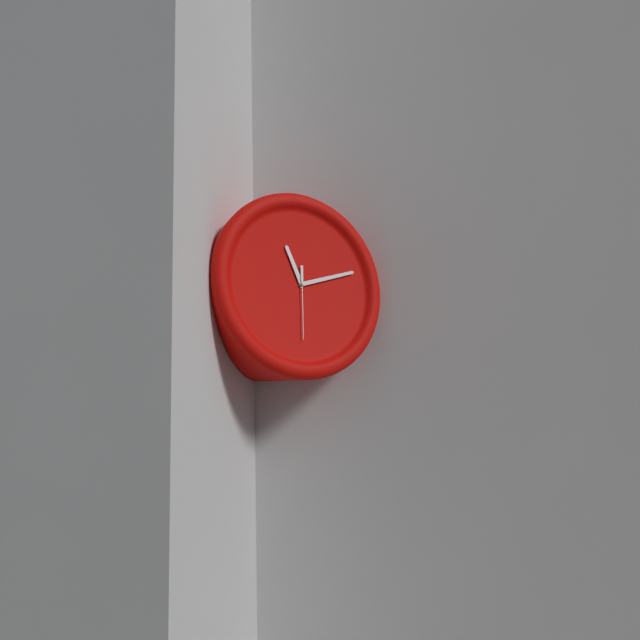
11.12.30
